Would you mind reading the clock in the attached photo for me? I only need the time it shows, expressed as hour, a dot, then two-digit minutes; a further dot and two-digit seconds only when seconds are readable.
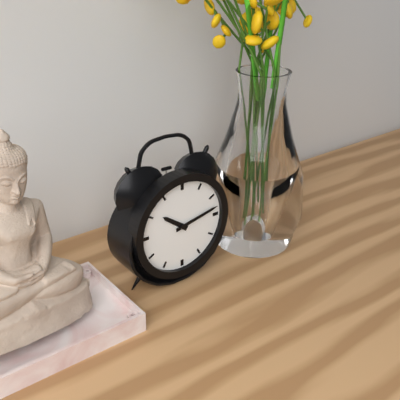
10.13
